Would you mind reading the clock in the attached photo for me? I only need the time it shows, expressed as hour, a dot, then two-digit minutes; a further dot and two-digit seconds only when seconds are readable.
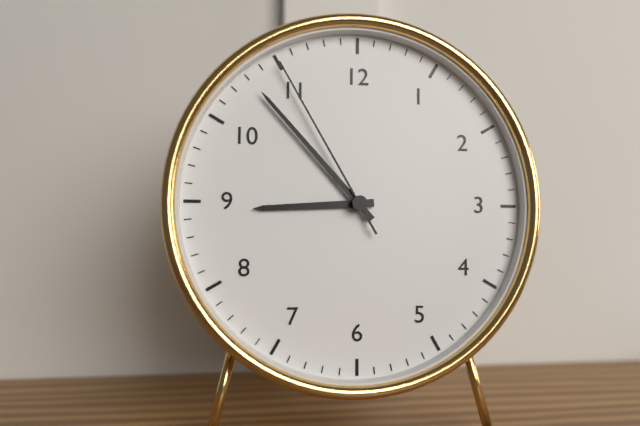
8.53.55
